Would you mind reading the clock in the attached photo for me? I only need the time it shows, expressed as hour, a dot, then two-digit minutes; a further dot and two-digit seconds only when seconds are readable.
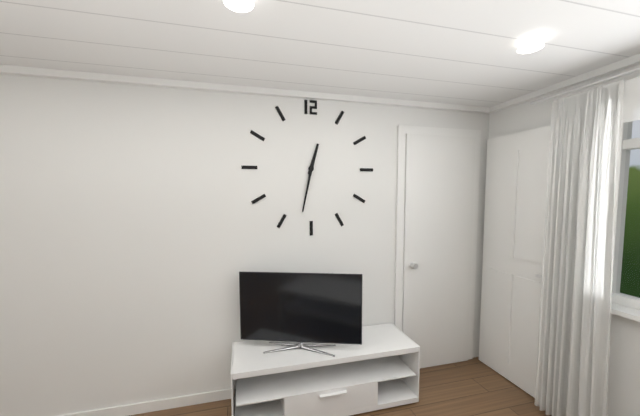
12.32
